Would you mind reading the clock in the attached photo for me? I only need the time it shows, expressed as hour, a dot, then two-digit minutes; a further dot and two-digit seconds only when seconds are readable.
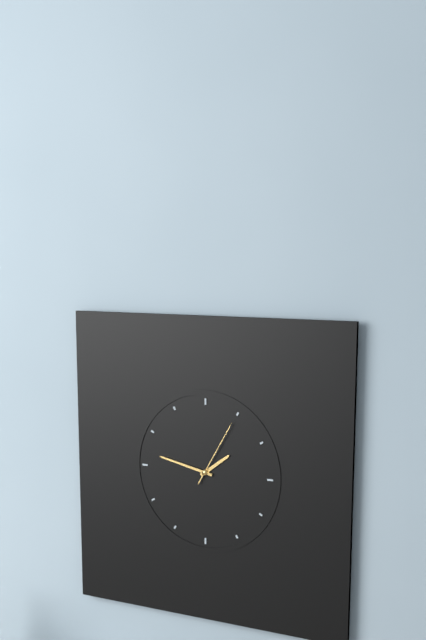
1.47.05
